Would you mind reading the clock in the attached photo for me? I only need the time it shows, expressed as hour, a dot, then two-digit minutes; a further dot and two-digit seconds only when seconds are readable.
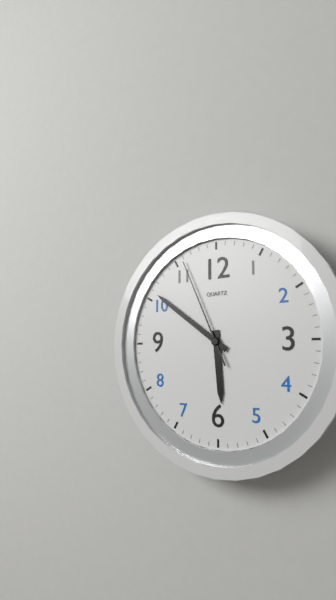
5.51.56
